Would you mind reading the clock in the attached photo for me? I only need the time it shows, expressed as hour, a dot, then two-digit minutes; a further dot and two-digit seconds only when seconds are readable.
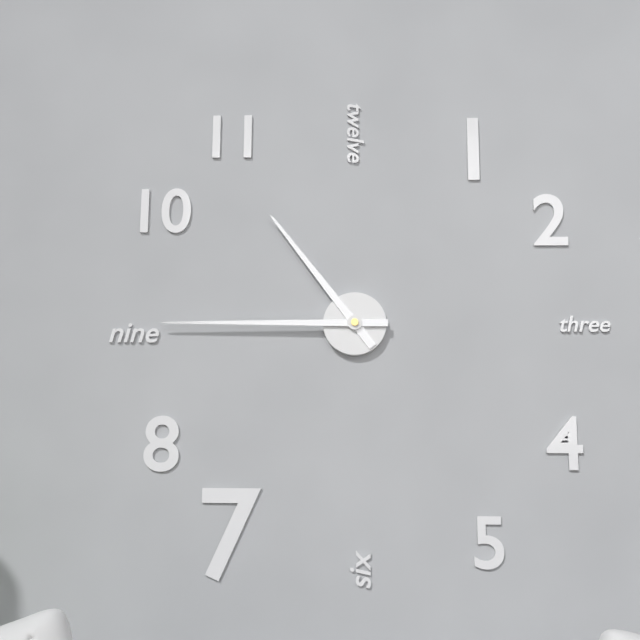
10.45
